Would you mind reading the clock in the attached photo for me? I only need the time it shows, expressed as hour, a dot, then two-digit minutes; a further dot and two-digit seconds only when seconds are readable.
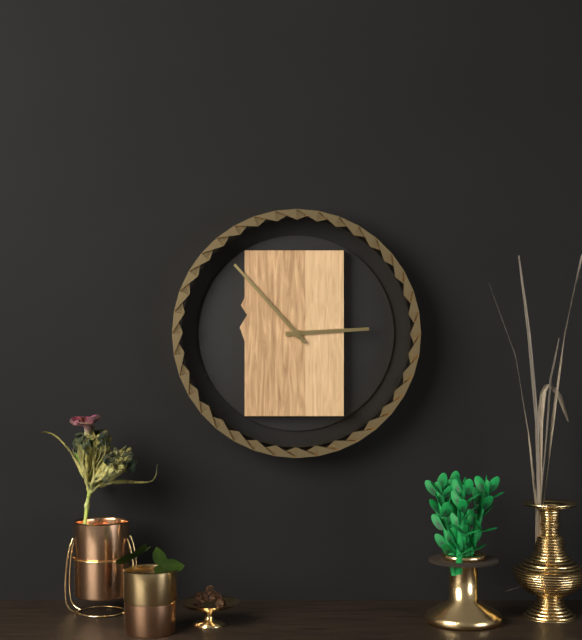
2.53
